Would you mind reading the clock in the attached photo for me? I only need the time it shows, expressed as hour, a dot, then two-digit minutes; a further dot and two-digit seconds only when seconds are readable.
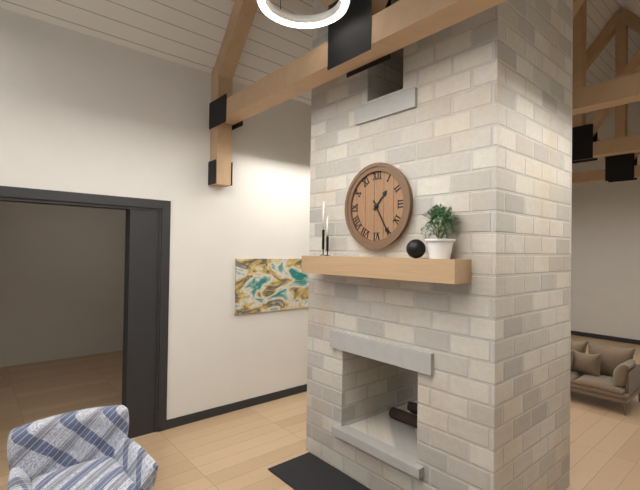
1.25
